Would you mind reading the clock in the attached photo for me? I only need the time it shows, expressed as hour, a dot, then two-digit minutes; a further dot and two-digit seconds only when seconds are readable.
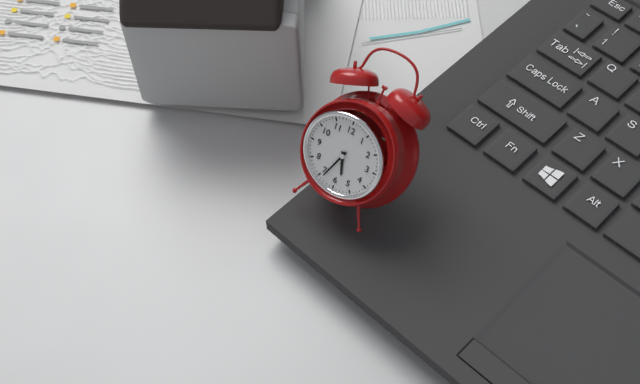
5.34
